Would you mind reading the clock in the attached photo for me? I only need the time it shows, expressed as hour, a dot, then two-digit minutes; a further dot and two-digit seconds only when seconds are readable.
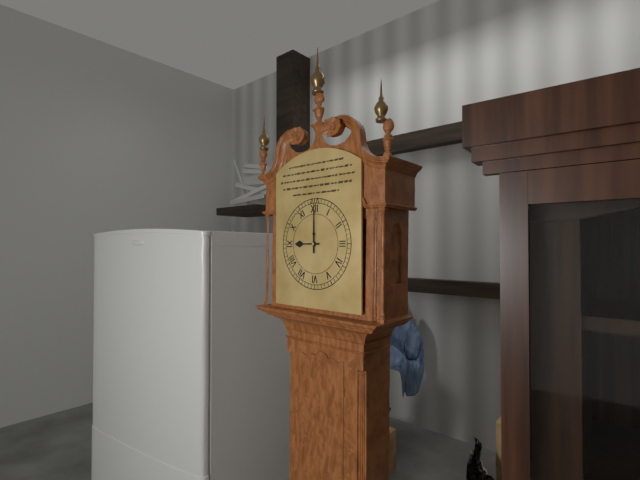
9.00
